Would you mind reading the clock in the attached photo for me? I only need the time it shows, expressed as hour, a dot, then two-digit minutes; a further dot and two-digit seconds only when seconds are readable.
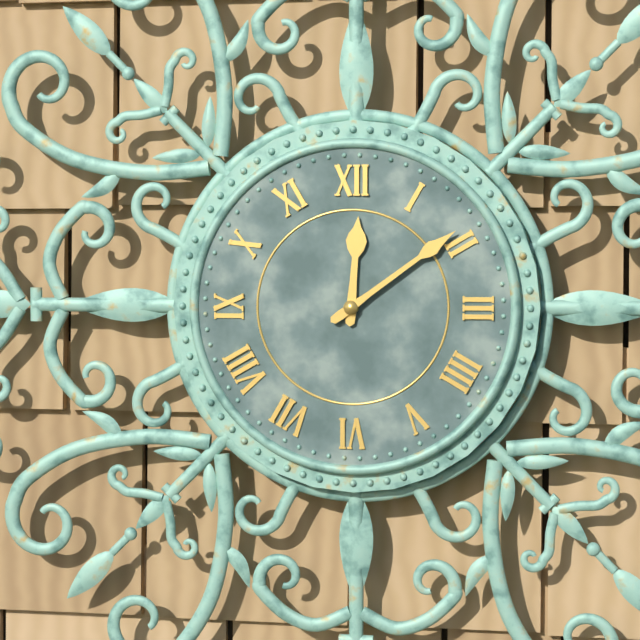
12.09
